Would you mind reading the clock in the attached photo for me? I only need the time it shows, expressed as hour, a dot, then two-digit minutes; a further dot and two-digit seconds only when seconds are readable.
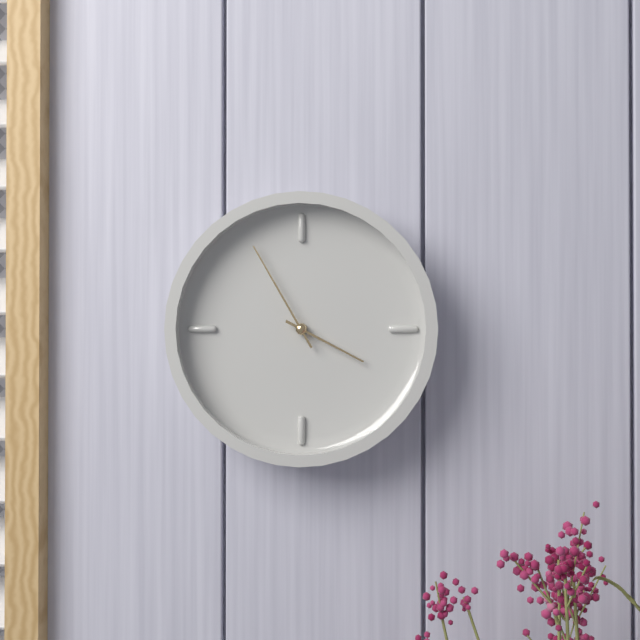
3.55
